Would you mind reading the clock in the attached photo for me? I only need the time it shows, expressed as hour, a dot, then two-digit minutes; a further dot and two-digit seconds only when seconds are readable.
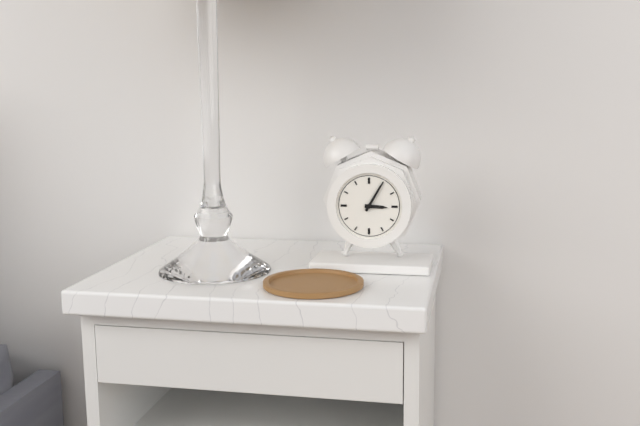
3.05
